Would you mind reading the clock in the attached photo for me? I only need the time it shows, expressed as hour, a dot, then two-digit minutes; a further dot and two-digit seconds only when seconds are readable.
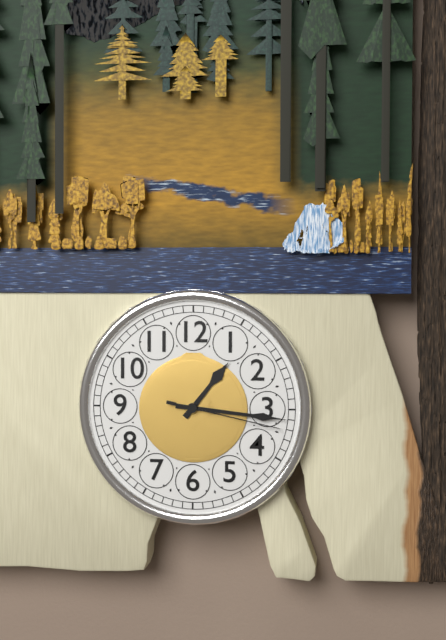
1.16.17
